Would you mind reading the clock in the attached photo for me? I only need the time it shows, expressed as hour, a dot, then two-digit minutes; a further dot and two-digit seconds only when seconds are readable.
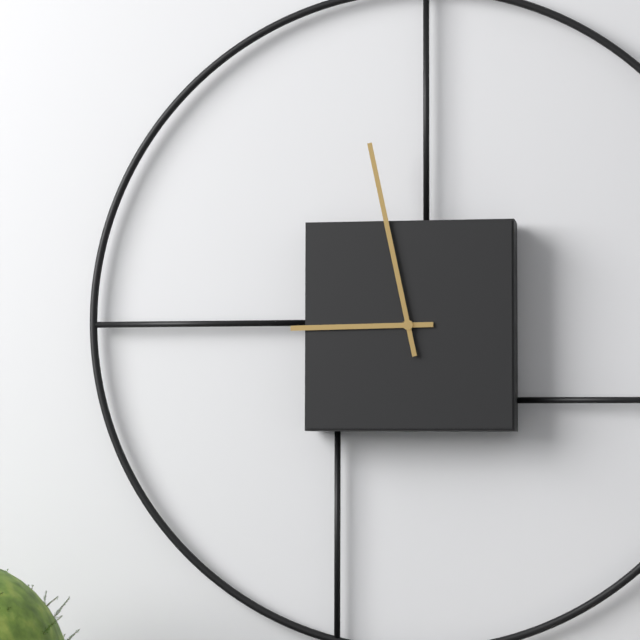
8.58
